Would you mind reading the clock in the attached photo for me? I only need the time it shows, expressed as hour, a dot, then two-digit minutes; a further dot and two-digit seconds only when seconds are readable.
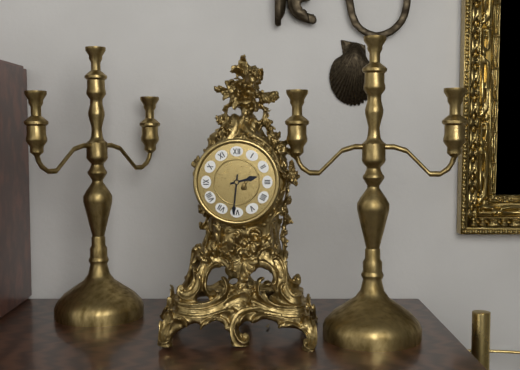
2.31
